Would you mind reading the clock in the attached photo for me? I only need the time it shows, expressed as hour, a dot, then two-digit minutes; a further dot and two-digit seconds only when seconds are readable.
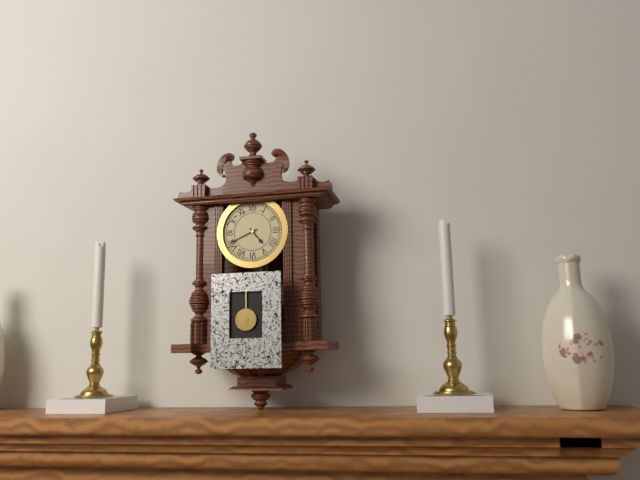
4.41
